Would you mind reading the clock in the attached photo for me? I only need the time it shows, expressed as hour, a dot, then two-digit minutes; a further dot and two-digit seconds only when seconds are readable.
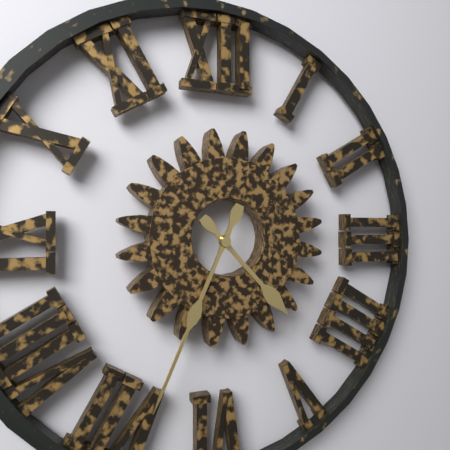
4.34
